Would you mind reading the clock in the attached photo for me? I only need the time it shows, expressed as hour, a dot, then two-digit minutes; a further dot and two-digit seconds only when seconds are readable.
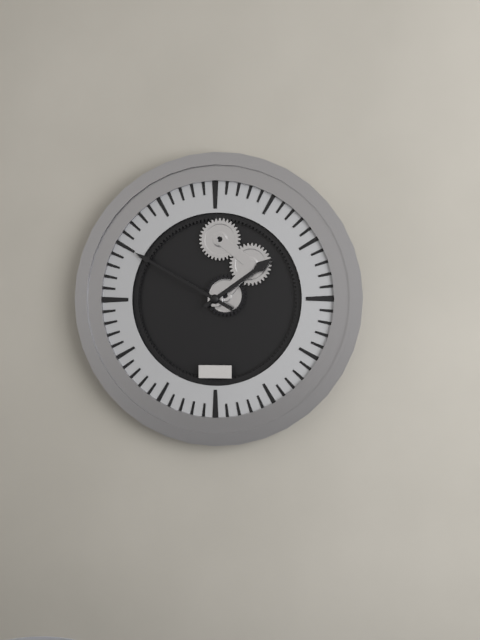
1.50
